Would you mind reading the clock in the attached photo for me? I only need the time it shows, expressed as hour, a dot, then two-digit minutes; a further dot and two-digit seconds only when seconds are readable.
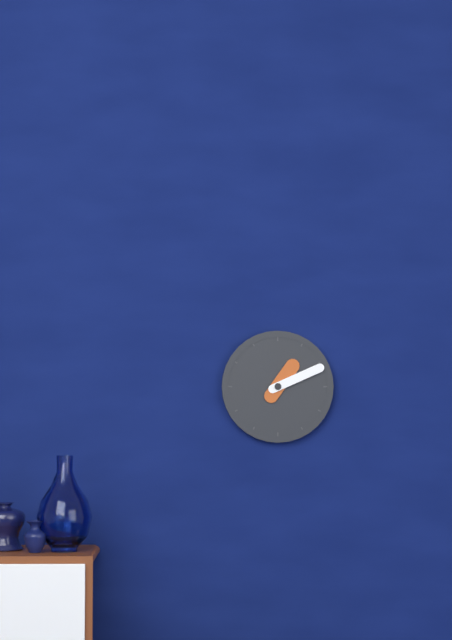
1.11
